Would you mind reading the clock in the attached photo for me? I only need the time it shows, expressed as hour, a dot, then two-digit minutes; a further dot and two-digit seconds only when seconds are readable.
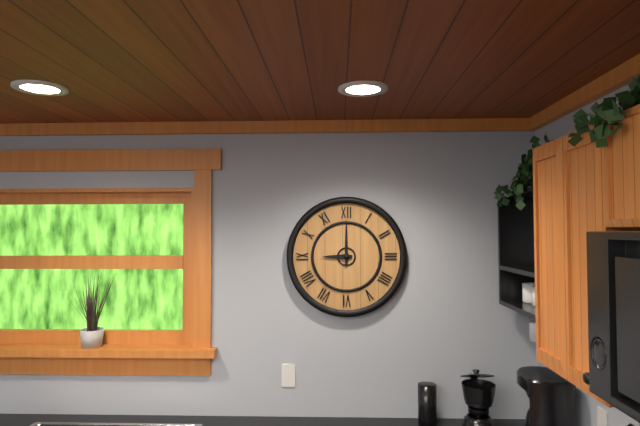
9.00
